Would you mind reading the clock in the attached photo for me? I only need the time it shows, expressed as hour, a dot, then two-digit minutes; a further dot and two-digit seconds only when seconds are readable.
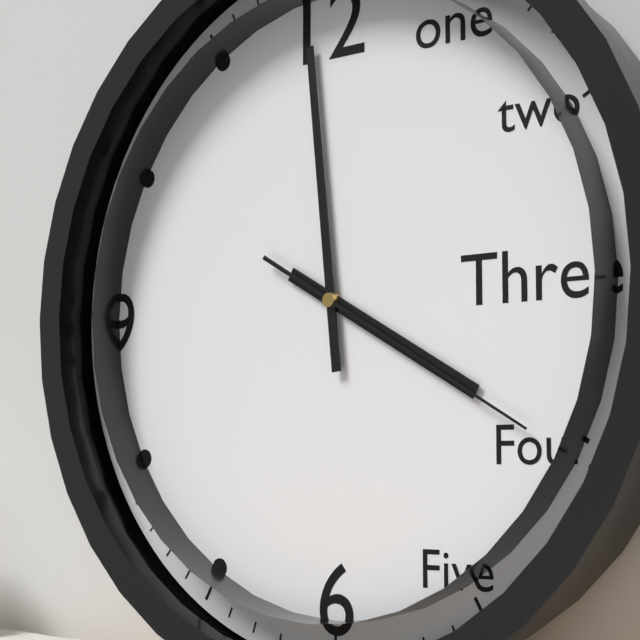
3.59.20
